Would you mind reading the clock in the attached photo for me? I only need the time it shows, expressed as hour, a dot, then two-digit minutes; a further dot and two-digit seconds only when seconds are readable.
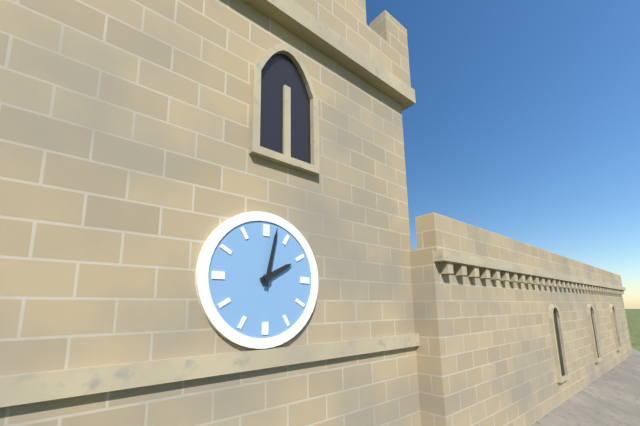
2.02
